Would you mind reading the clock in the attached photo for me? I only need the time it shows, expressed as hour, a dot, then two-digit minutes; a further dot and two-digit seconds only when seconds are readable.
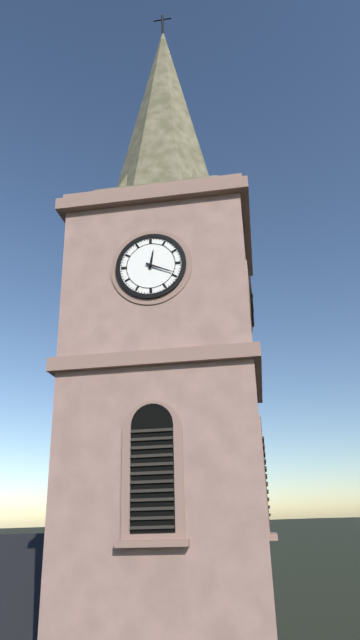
12.19
